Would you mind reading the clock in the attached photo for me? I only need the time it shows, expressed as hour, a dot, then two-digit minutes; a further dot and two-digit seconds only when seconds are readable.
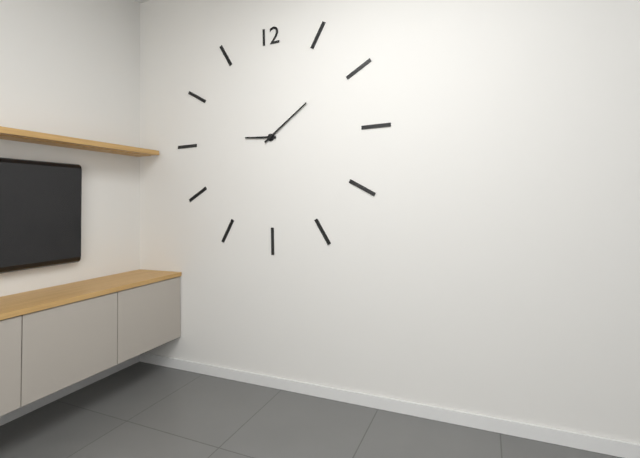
9.09
